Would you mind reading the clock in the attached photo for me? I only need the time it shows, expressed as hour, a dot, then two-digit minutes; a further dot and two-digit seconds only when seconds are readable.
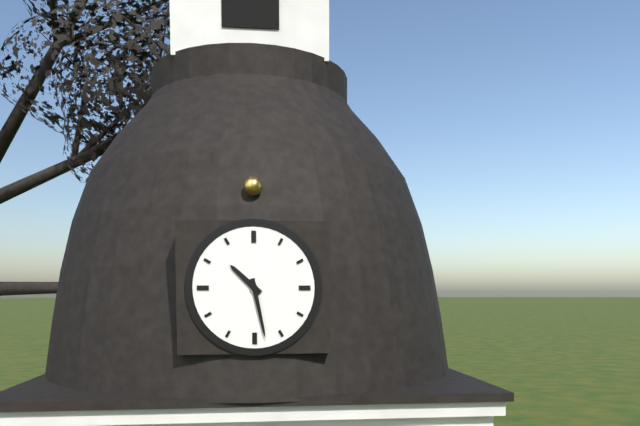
10.28
